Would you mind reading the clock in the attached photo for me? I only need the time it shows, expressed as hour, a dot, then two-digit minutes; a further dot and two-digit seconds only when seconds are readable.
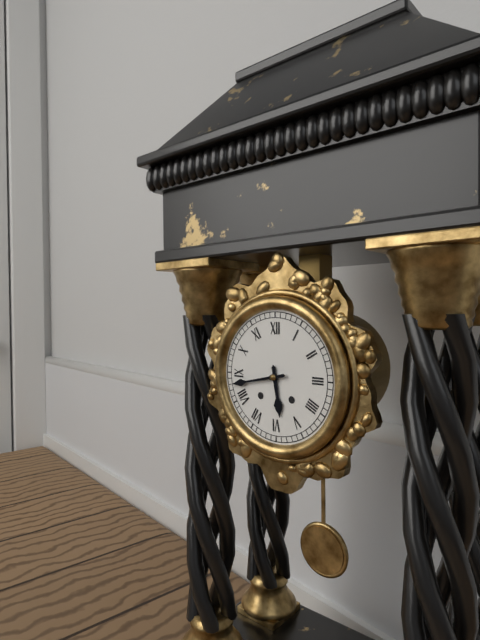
5.43
